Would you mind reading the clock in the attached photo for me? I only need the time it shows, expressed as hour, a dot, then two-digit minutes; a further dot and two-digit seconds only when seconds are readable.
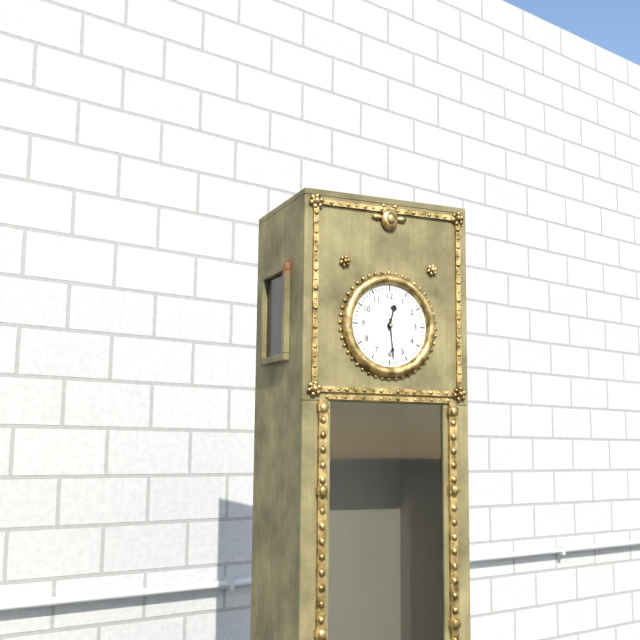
12.29
